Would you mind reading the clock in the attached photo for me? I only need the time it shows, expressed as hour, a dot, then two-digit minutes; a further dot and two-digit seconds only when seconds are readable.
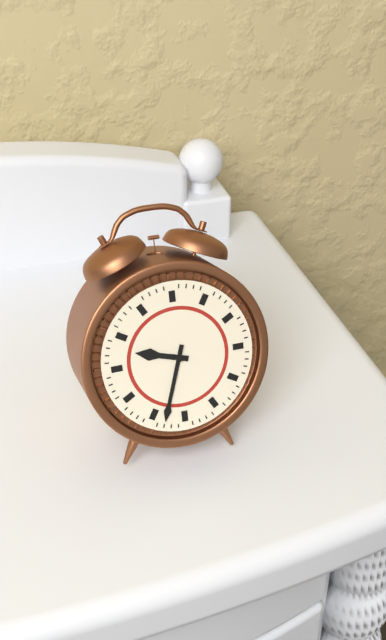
9.33
